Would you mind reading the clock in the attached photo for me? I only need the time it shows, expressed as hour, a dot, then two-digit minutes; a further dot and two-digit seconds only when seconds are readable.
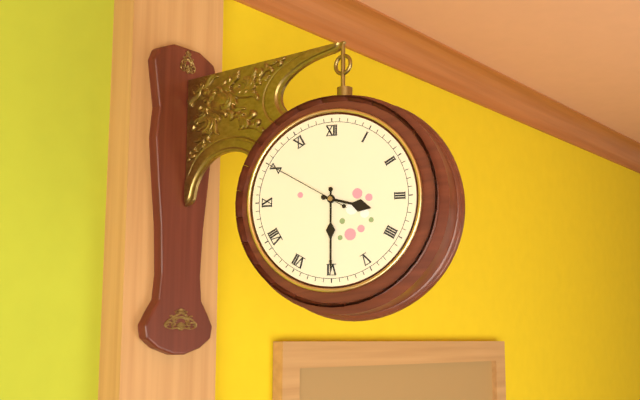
3.30.50
